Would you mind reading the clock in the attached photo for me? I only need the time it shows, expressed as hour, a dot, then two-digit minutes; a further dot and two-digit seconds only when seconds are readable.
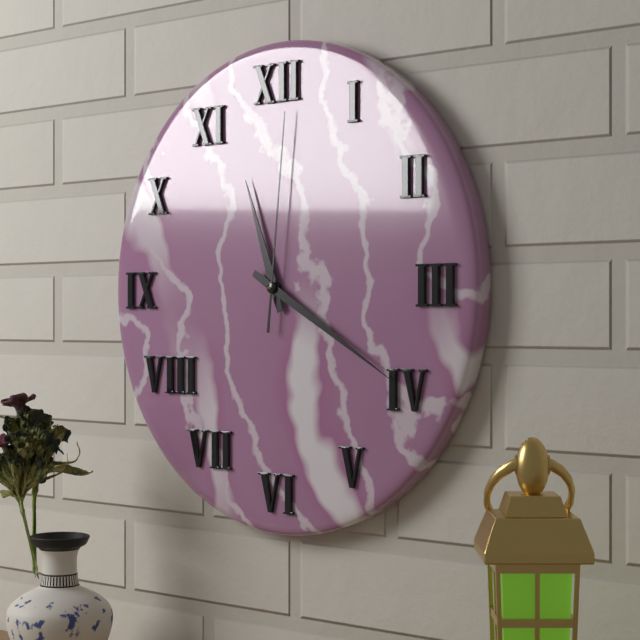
11.20.01
